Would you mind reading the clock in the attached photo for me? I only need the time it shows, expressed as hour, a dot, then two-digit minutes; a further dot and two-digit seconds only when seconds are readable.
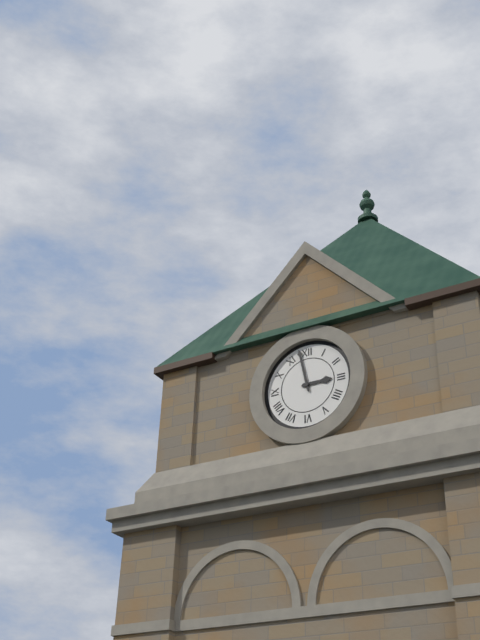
2.58
